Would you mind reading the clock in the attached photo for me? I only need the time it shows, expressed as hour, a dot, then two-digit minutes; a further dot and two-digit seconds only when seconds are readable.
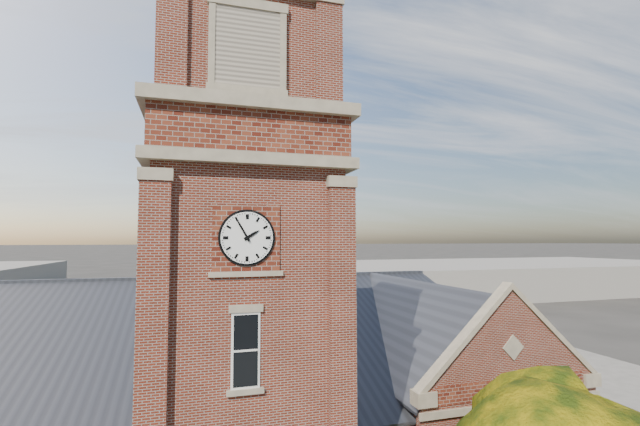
1.55
